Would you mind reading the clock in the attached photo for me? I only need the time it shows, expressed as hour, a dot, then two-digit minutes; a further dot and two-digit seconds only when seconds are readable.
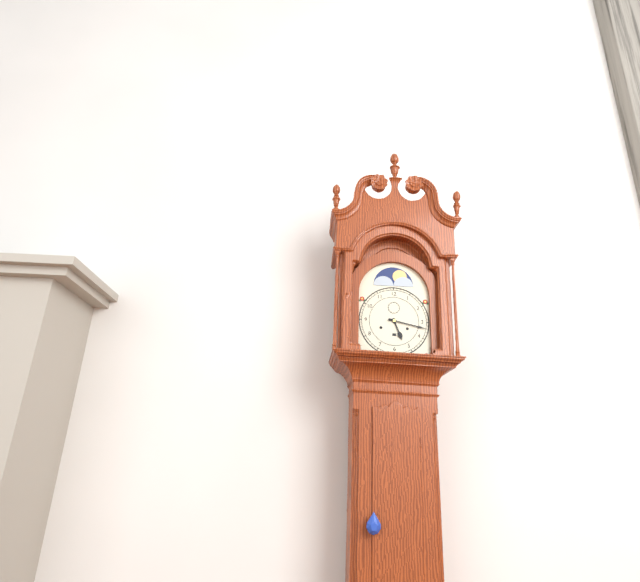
5.17
